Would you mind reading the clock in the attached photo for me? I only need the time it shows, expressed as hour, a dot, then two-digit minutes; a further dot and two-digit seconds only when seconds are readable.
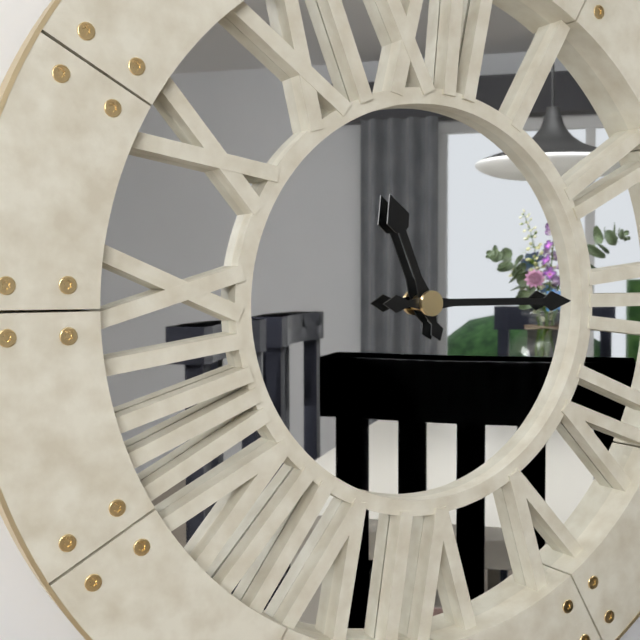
11.15
